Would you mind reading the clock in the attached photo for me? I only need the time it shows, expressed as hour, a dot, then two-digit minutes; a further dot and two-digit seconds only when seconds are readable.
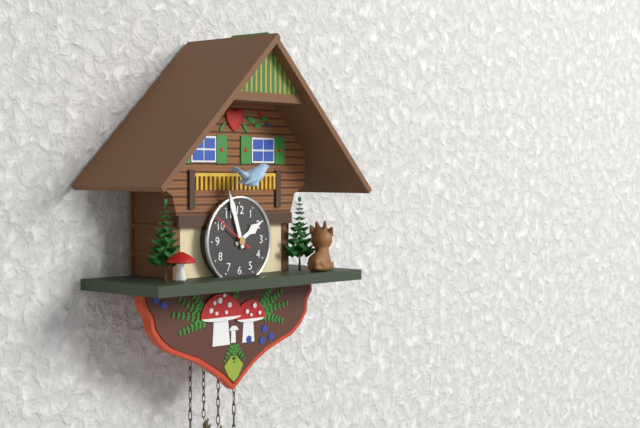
1.57
